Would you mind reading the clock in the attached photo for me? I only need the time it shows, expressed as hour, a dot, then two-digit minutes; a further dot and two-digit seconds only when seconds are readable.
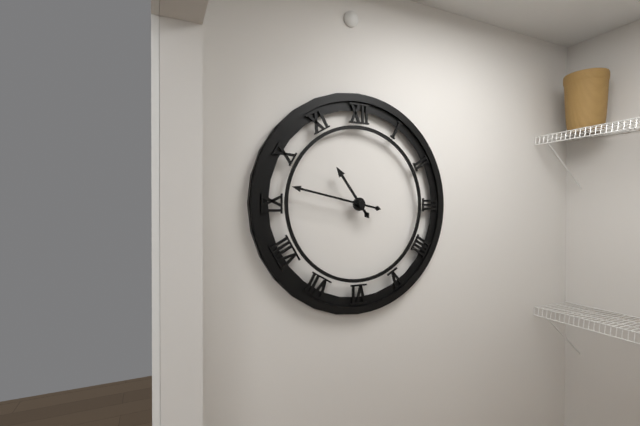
10.47
